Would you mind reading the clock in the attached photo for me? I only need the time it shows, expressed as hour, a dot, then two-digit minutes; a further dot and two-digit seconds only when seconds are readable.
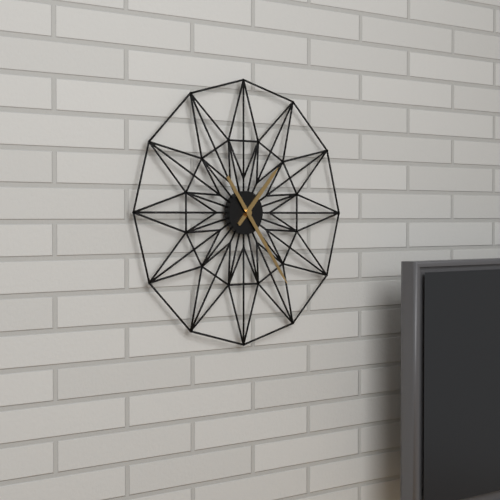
1.24
